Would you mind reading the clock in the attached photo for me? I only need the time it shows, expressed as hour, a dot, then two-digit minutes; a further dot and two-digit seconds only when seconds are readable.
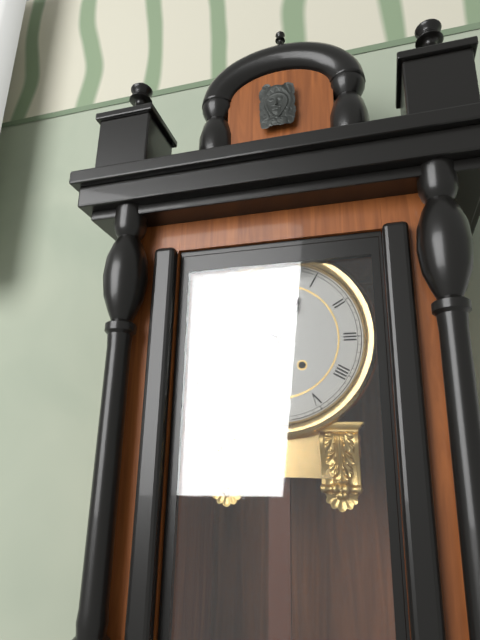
12.51
